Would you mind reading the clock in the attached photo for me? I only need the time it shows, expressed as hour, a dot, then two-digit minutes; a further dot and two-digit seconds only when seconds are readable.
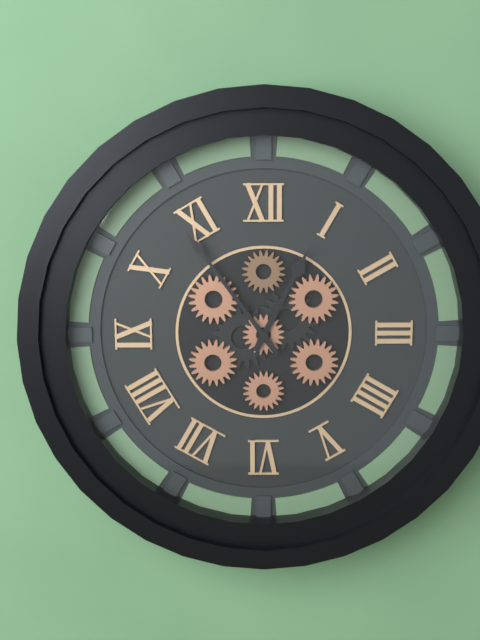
12.54
